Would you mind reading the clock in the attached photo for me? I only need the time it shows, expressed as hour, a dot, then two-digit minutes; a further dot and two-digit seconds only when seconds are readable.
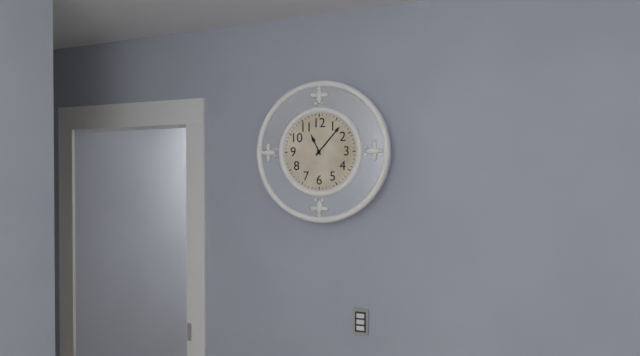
11.07
